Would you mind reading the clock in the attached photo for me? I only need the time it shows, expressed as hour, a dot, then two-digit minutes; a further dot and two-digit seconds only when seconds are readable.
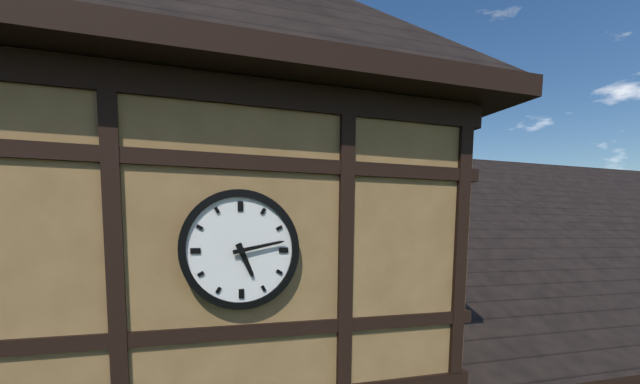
5.13
